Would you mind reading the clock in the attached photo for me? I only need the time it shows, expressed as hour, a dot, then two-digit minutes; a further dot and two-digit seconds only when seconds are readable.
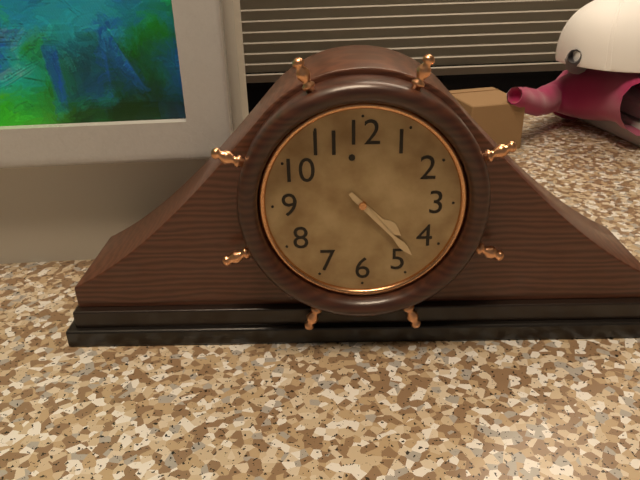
4.23
